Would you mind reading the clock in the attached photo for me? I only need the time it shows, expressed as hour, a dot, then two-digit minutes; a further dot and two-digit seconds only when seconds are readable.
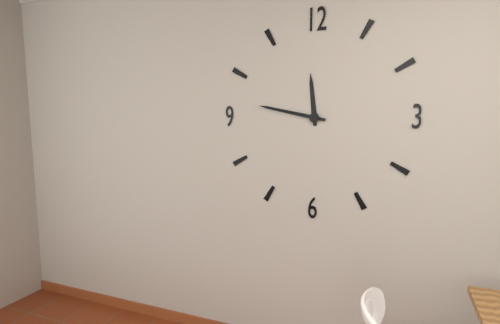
11.47
